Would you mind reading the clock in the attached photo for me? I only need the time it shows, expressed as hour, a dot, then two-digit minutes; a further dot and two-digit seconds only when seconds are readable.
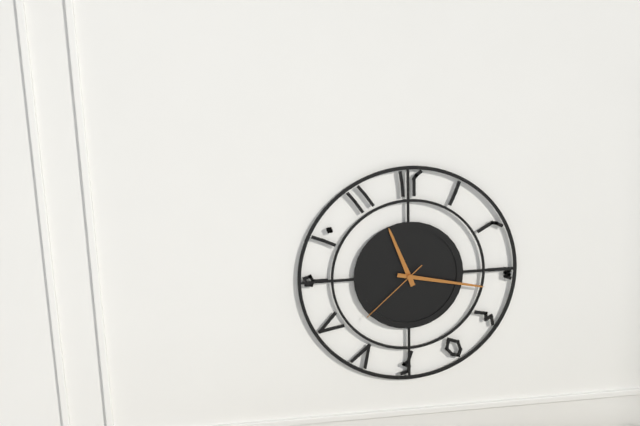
11.17.38
